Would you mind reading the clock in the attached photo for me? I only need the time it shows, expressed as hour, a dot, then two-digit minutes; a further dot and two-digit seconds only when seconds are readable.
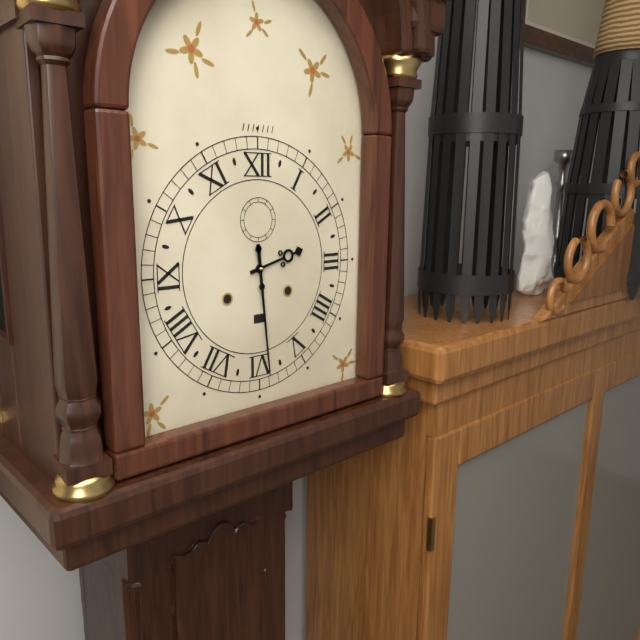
2.29
